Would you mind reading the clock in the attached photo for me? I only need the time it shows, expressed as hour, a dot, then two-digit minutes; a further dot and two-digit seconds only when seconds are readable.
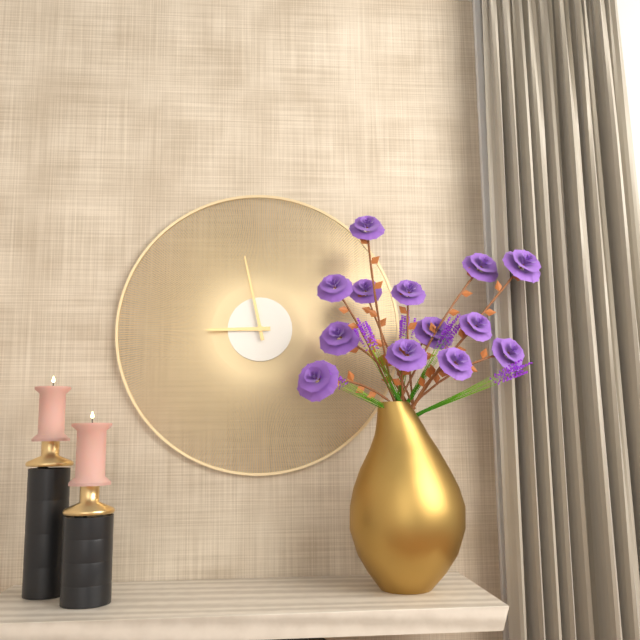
8.58
